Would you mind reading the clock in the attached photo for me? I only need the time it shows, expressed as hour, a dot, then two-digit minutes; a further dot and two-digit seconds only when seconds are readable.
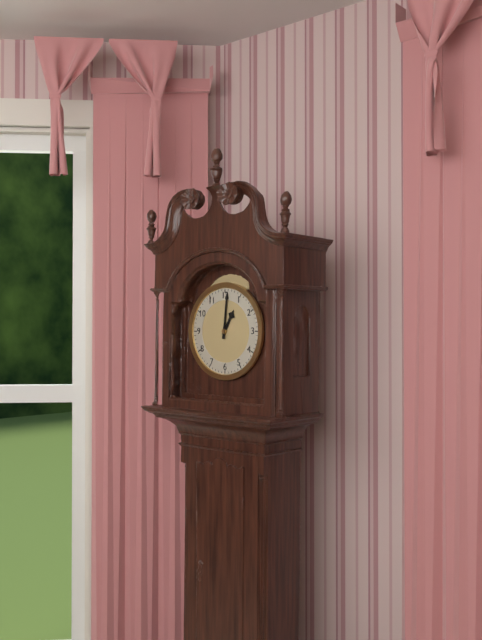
1.01
